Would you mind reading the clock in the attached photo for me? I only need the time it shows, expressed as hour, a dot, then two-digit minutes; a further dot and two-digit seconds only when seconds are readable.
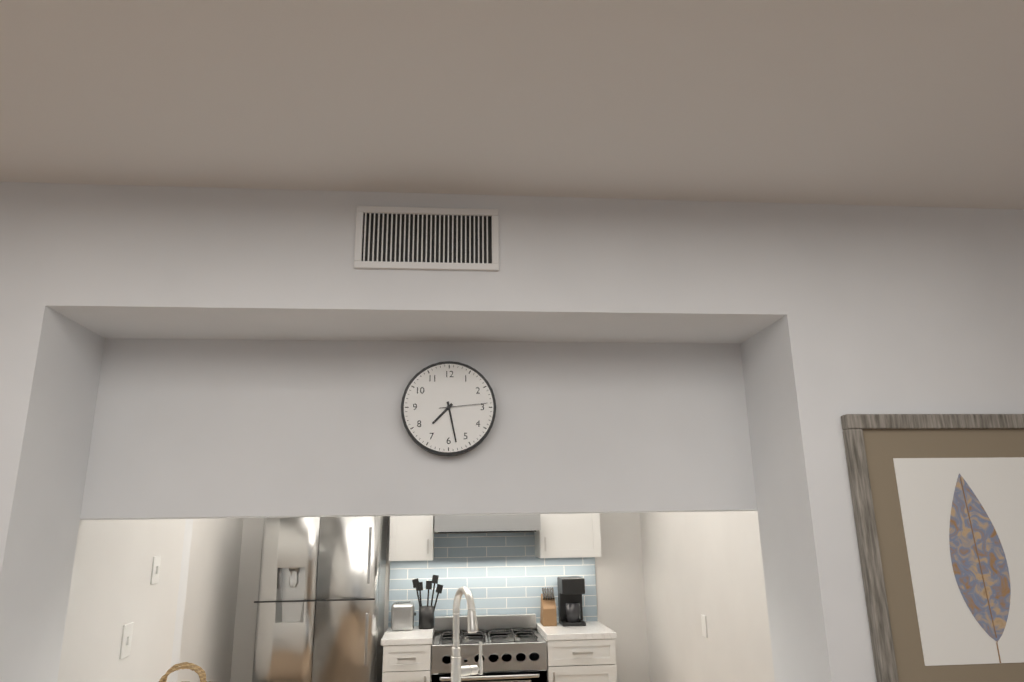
7.28
